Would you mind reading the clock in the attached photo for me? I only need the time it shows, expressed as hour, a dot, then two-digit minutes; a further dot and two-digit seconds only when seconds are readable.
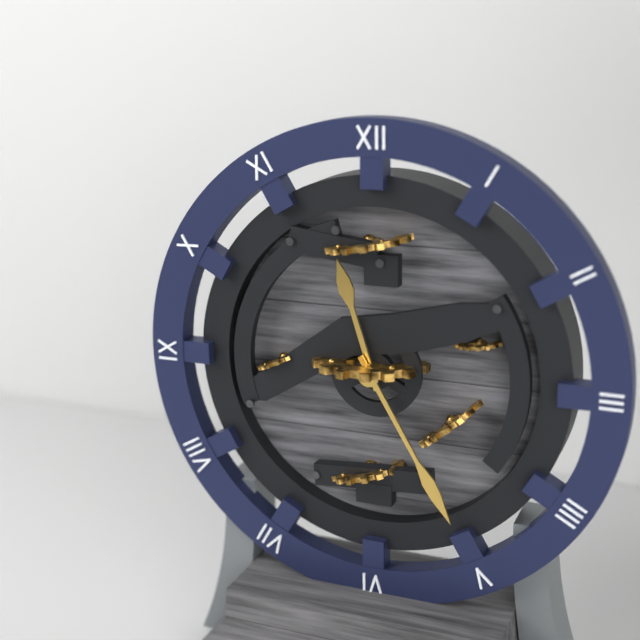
11.25
